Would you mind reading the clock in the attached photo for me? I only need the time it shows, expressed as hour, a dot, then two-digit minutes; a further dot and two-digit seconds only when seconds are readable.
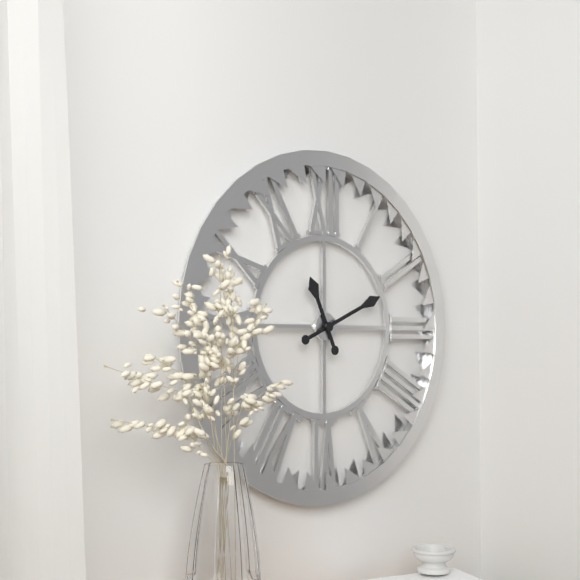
11.11
